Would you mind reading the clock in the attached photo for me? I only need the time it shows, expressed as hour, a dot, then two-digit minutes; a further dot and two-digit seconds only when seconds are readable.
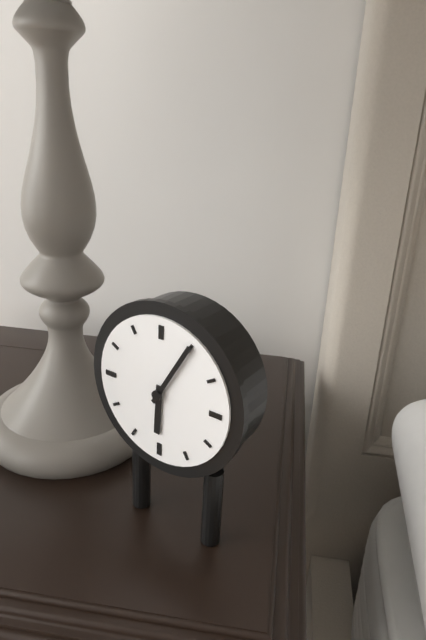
6.05
